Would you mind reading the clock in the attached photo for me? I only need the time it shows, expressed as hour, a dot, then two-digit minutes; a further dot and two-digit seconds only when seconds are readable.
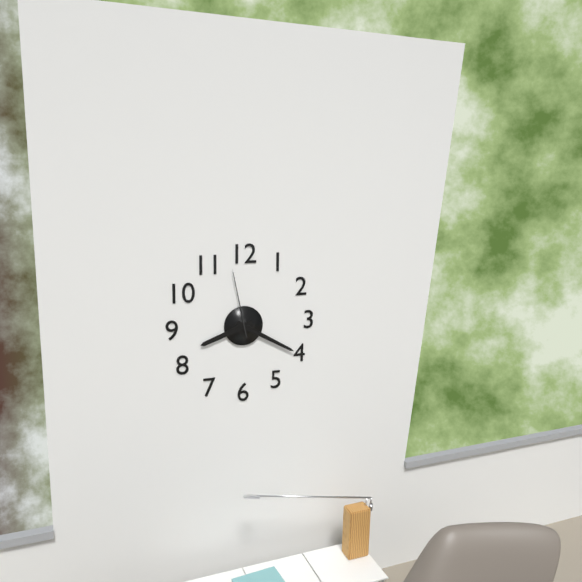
8.20.58
